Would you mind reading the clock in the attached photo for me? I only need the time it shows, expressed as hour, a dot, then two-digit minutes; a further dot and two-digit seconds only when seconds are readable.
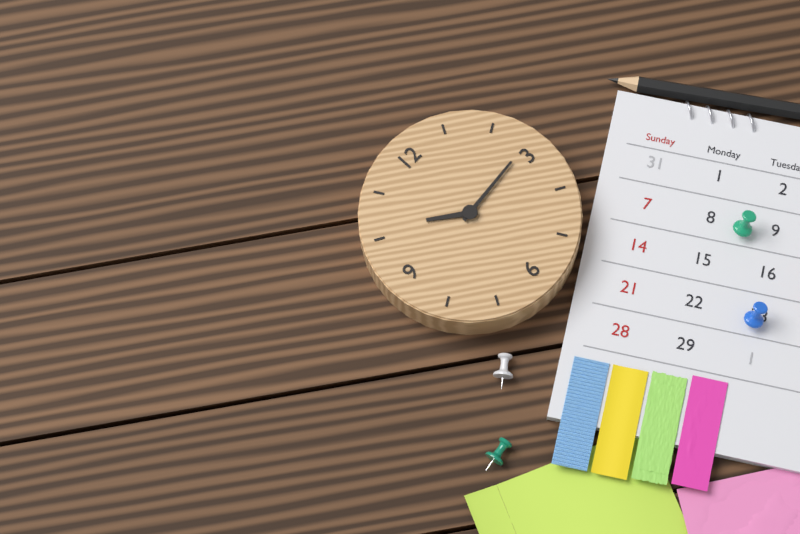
10.14
